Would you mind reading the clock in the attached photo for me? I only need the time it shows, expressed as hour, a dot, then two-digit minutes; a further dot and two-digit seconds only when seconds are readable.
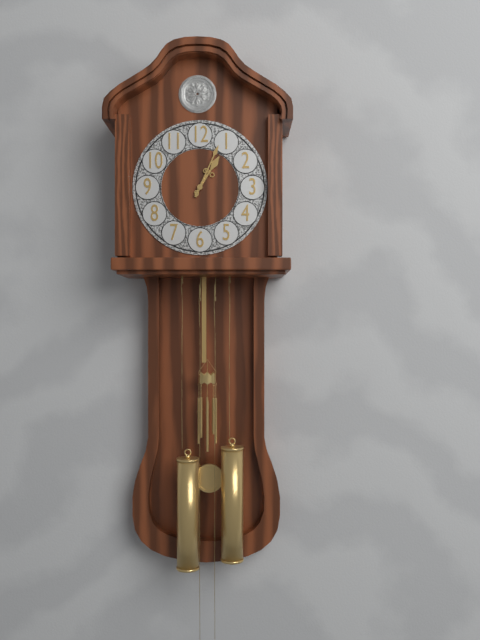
1.04
